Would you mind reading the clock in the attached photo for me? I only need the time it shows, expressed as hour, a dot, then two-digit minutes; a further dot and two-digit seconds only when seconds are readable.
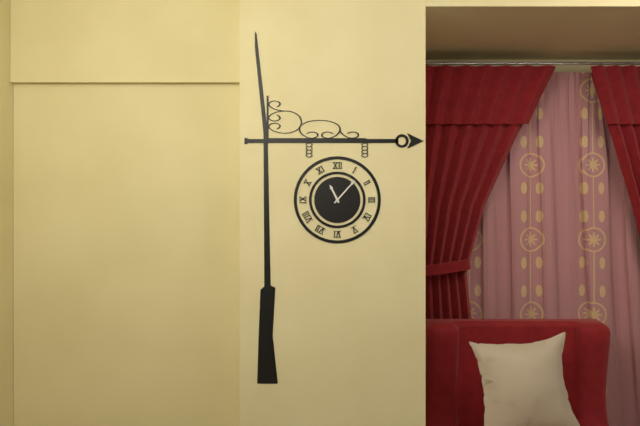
11.07
